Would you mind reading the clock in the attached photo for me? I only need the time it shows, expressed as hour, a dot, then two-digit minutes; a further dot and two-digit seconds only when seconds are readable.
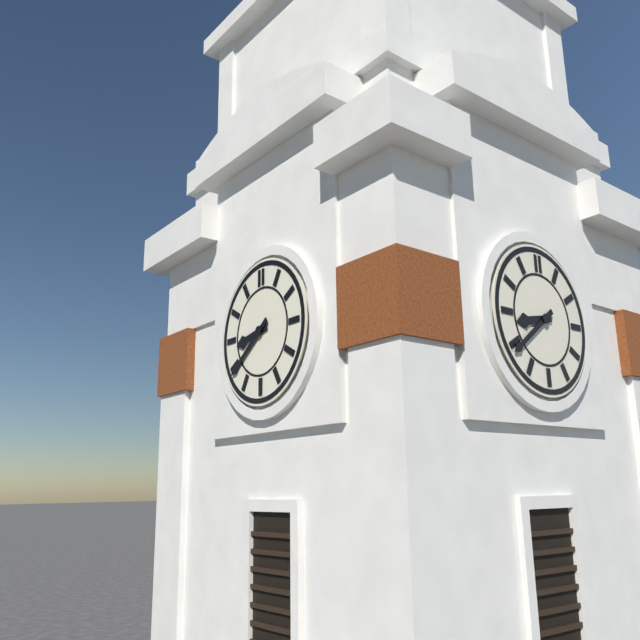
8.39
